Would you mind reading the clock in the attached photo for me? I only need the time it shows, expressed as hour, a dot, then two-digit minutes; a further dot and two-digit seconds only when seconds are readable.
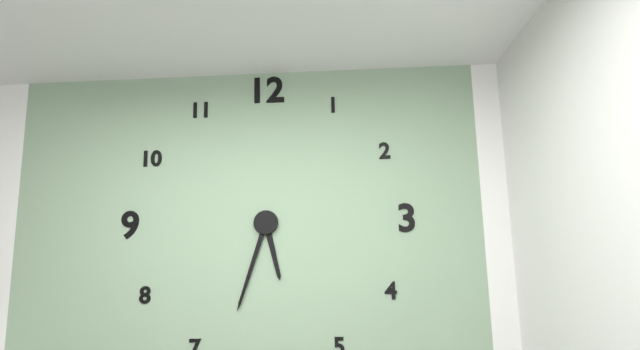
5.33
